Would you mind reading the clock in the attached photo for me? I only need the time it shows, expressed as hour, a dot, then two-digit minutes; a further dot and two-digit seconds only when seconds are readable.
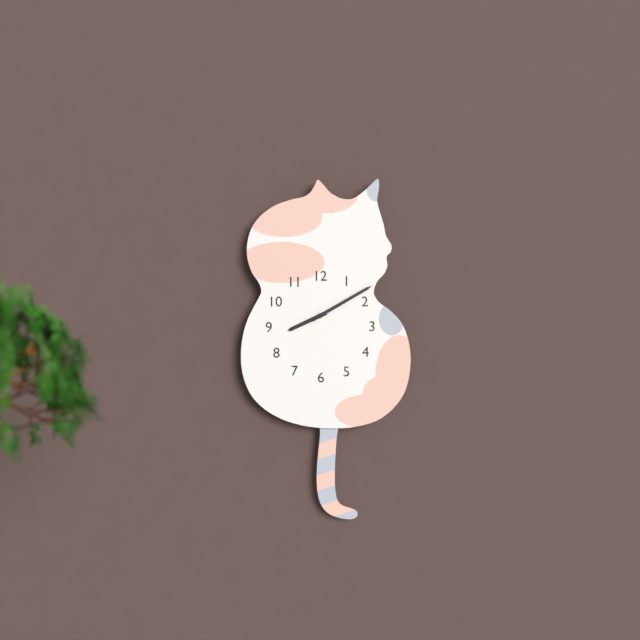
8.10
